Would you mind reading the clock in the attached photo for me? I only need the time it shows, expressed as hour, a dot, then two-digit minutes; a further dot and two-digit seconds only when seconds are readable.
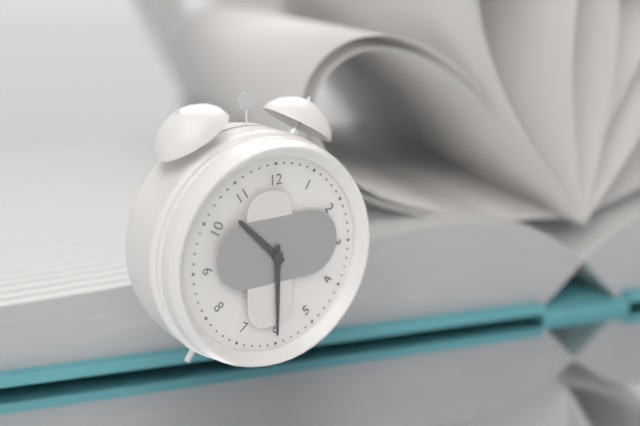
10.30
